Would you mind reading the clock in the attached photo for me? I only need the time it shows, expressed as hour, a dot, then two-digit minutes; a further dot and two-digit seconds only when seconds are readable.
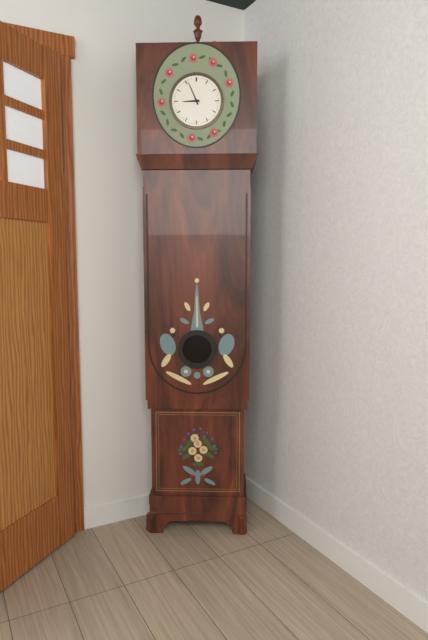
8.56
